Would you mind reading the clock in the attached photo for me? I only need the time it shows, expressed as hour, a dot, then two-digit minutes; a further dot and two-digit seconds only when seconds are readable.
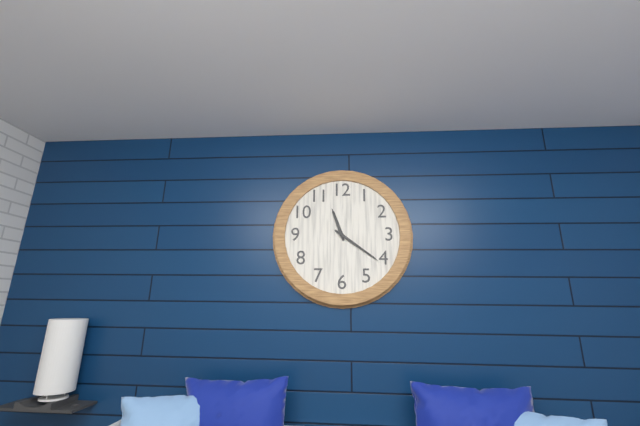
11.21
